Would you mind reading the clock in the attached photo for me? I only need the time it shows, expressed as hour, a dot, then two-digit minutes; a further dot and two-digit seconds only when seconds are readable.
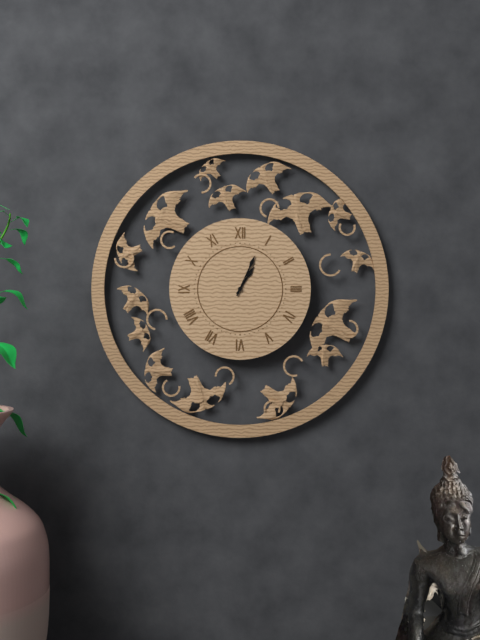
1.04
